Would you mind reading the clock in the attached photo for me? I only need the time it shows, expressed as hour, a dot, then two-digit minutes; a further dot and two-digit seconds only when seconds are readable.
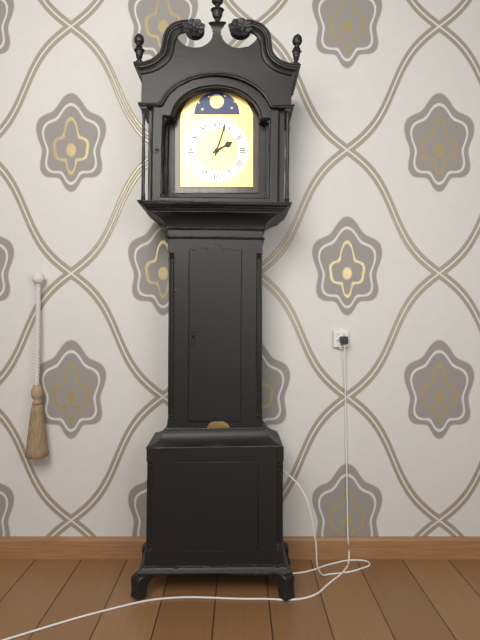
2.03
